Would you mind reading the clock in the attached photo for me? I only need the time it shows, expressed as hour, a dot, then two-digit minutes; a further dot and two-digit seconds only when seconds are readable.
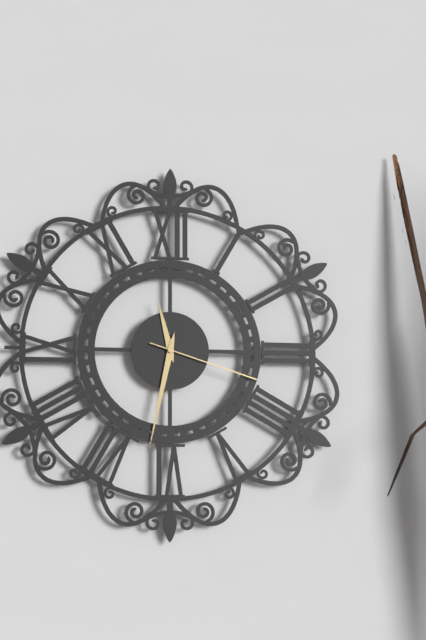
11.32.18
